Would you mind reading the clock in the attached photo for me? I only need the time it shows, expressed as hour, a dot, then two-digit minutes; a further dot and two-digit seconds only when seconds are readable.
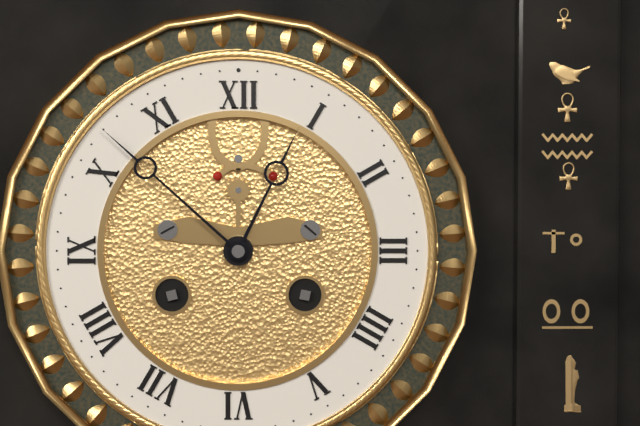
12.52
